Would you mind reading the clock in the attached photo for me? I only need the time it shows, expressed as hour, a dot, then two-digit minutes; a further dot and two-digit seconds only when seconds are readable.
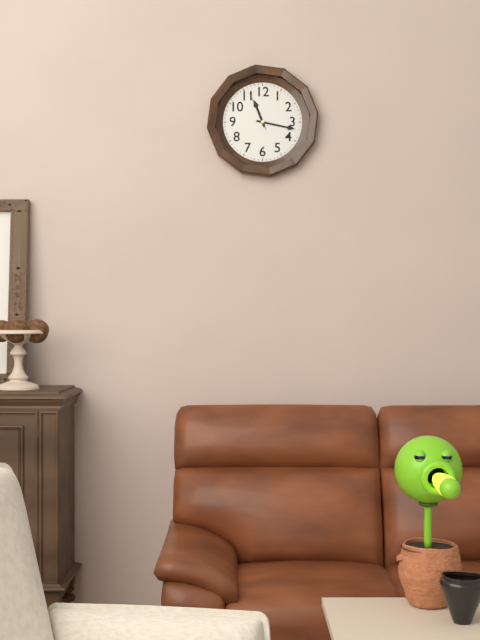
11.17
